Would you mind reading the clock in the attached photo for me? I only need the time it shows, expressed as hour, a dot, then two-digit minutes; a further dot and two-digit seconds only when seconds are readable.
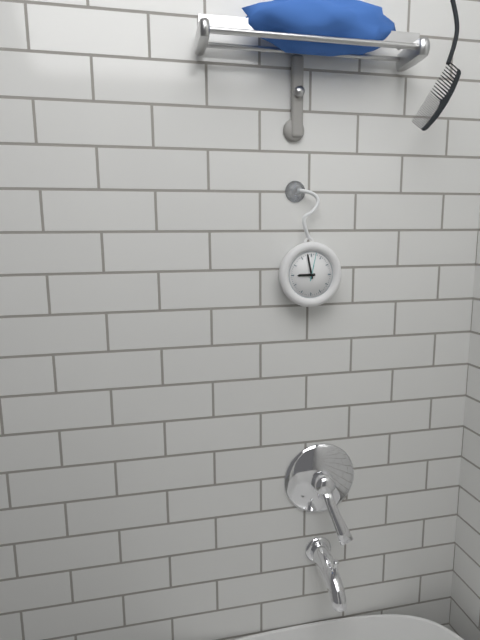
8.58
